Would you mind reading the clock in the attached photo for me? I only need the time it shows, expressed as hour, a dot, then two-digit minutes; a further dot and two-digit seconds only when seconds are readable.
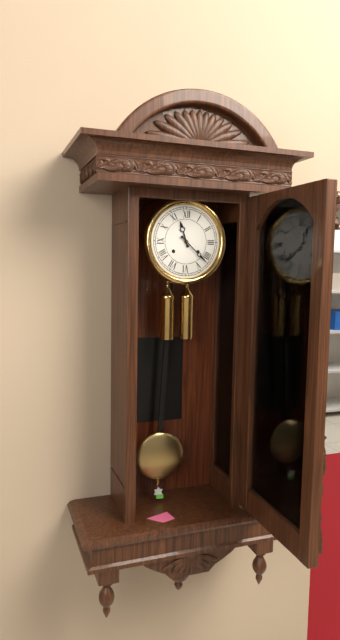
11.22
